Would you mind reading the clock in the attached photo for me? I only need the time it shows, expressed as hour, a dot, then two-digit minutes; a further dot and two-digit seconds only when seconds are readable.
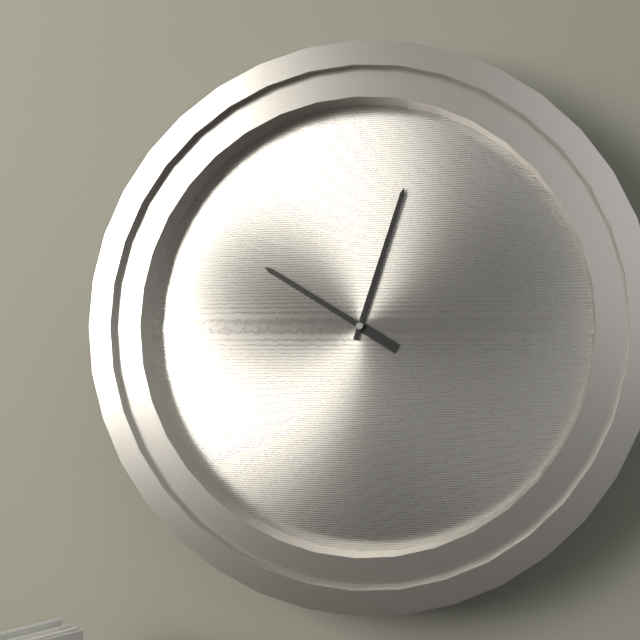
10.03
